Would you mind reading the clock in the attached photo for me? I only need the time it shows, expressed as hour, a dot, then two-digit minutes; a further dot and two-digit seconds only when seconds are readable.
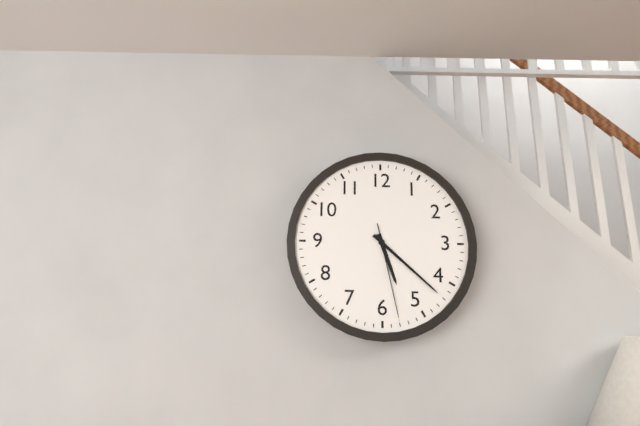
5.22.28
